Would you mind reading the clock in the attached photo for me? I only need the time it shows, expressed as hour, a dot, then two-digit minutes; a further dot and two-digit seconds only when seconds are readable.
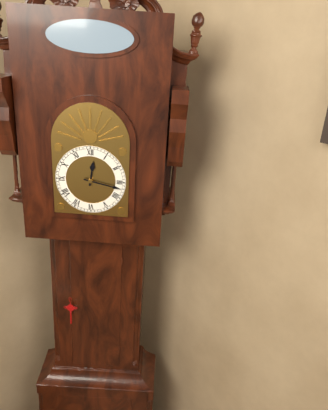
12.17
